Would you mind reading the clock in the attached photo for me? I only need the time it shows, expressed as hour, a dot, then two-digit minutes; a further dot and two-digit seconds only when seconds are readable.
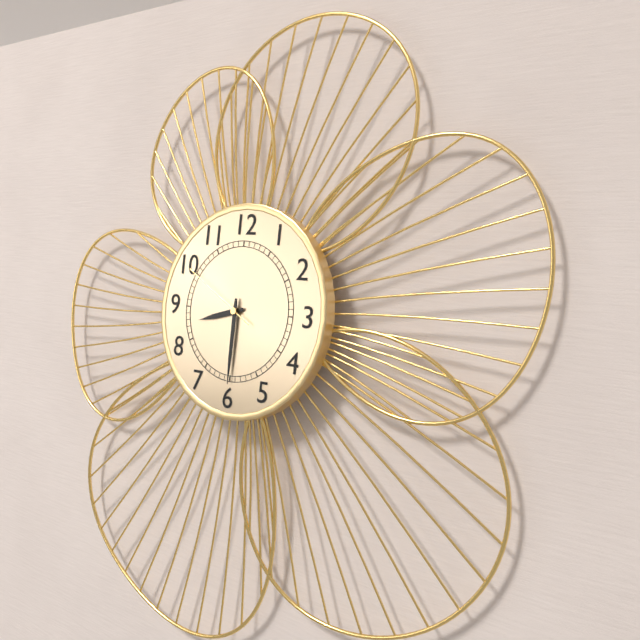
8.30.50
